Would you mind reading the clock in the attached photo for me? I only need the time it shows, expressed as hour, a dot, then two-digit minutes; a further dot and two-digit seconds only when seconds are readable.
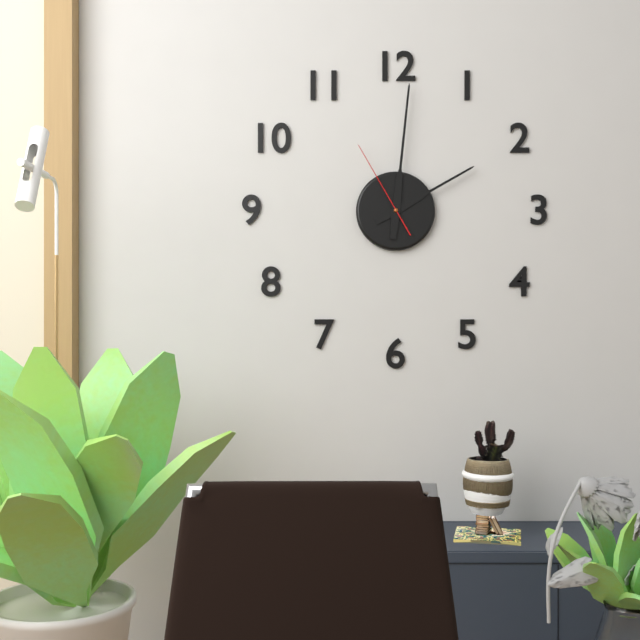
2.01.55
